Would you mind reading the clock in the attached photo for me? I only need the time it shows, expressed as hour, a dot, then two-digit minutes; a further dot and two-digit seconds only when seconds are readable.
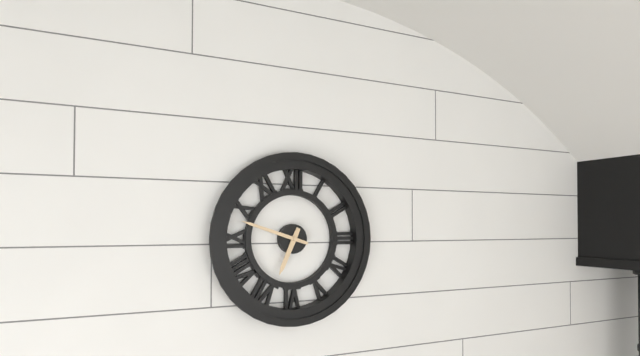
6.48
